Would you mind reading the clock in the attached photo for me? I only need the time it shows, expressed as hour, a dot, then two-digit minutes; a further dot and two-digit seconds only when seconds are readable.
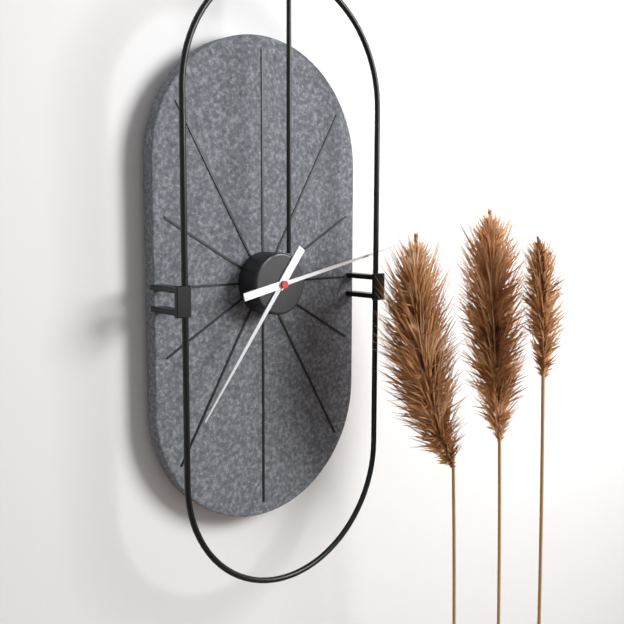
7.13
